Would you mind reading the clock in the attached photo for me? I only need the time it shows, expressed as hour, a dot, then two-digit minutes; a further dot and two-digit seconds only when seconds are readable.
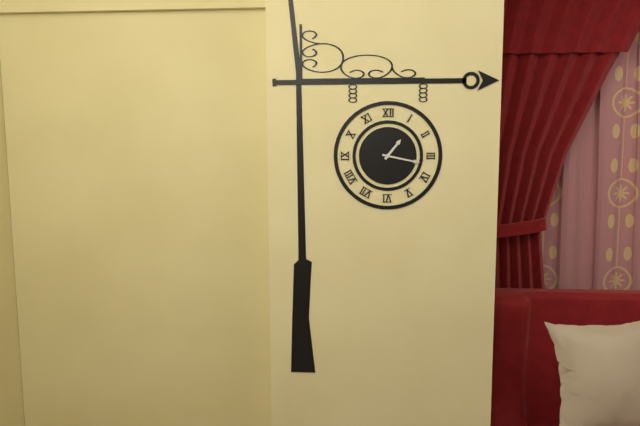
1.17
